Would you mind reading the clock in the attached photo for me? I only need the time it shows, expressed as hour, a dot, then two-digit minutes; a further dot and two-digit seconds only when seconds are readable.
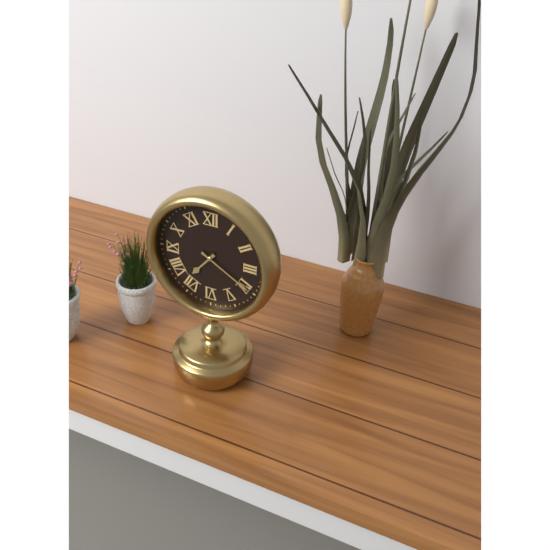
7.20
